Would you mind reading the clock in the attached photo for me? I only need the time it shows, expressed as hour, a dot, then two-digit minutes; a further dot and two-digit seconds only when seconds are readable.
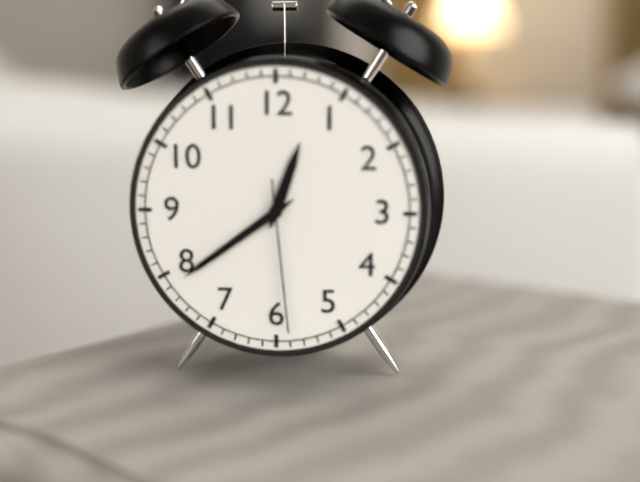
12.39.29
